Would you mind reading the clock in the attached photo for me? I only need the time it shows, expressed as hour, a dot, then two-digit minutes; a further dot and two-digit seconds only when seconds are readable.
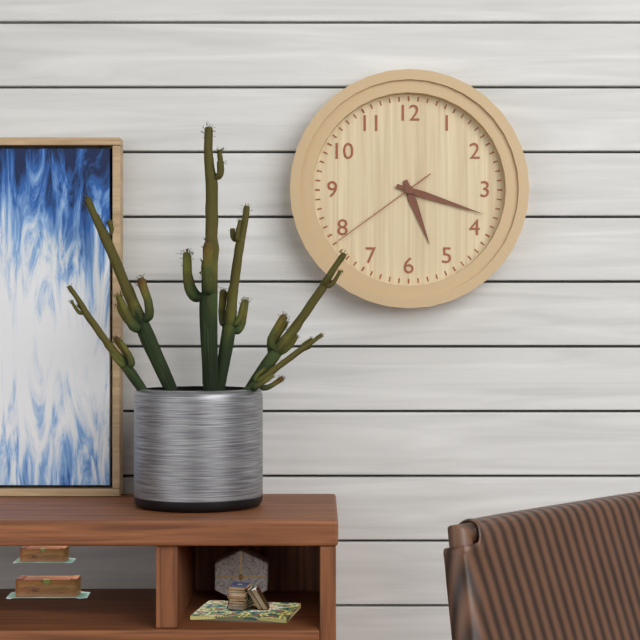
5.18.39
